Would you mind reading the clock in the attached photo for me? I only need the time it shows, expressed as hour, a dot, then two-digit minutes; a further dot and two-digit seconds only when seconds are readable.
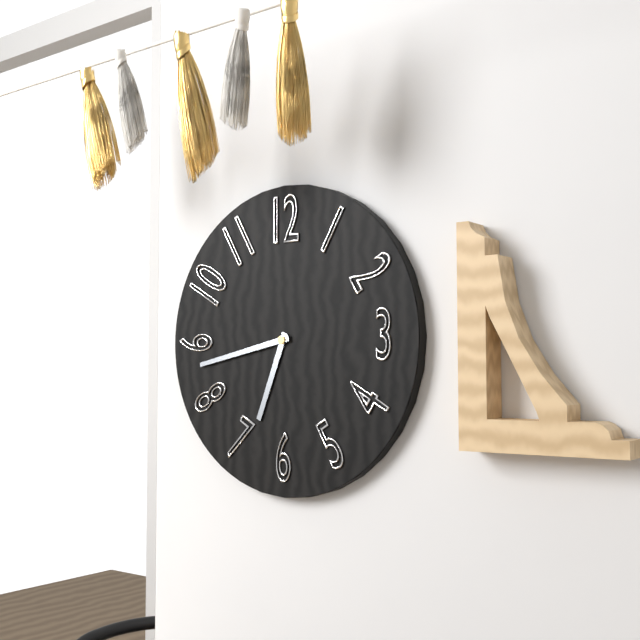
6.43
